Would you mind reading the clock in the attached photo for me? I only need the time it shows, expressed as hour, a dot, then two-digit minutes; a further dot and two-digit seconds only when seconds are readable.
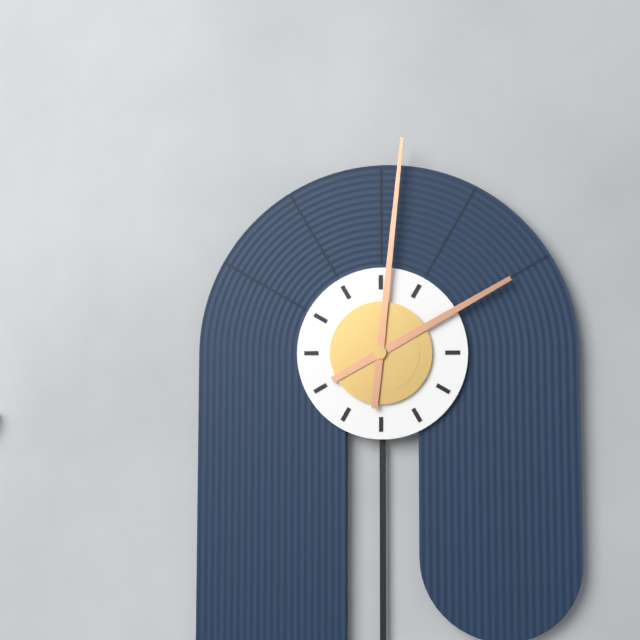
2.01
